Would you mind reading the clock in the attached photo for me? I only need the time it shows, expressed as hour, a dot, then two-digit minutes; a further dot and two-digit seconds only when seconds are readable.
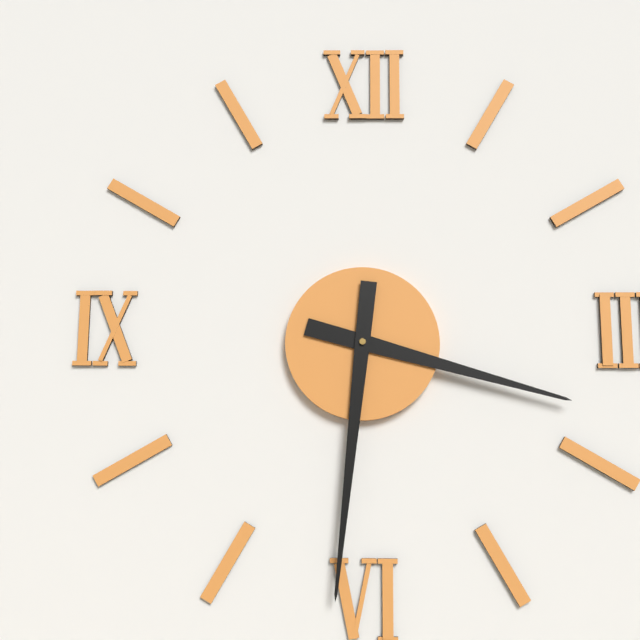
3.31
